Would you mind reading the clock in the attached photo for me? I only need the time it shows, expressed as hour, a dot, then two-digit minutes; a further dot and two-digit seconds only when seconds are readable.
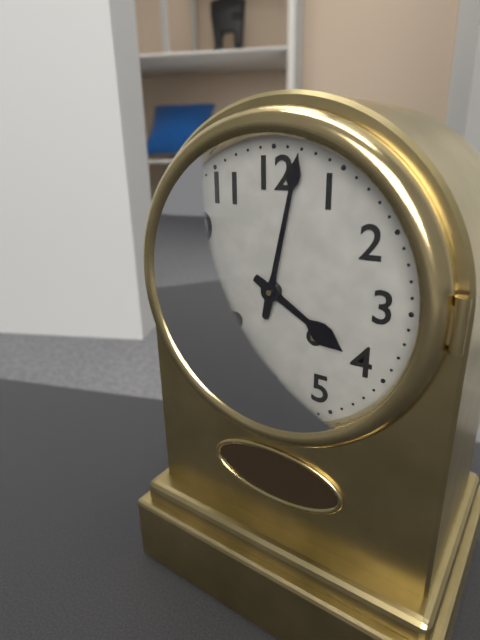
4.02
